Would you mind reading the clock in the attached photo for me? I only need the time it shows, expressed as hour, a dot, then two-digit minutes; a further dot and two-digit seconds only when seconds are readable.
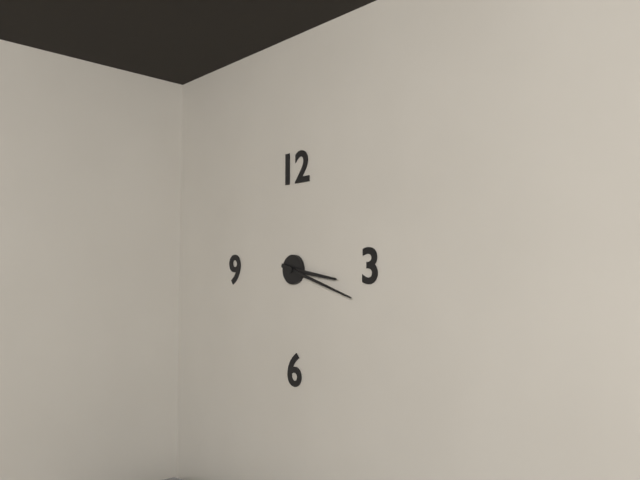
3.18
